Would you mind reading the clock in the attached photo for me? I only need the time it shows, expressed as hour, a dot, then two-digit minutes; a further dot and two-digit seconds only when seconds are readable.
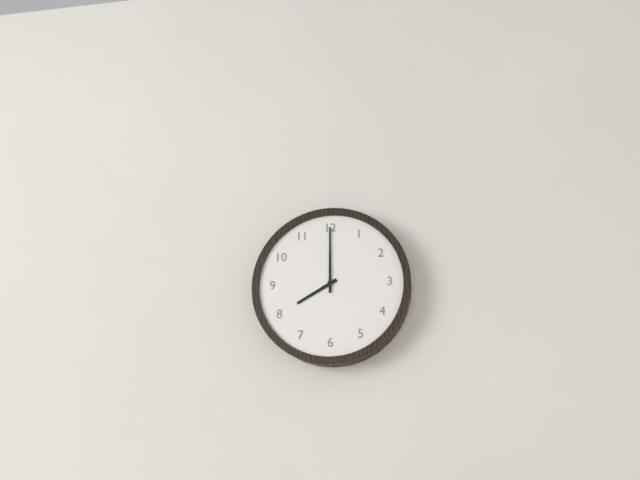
8.00
